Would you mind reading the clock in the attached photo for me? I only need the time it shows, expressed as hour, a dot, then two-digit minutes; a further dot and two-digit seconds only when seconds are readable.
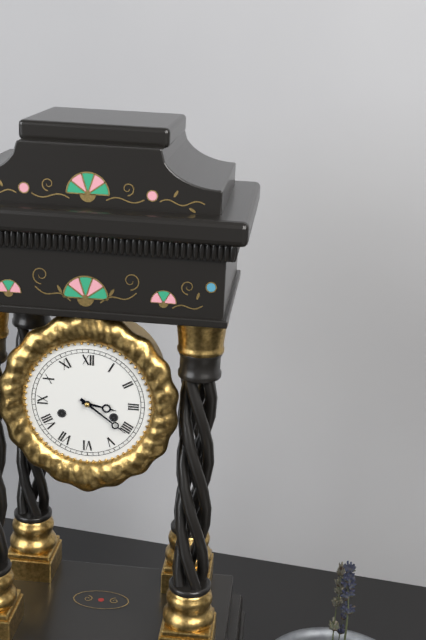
3.21
